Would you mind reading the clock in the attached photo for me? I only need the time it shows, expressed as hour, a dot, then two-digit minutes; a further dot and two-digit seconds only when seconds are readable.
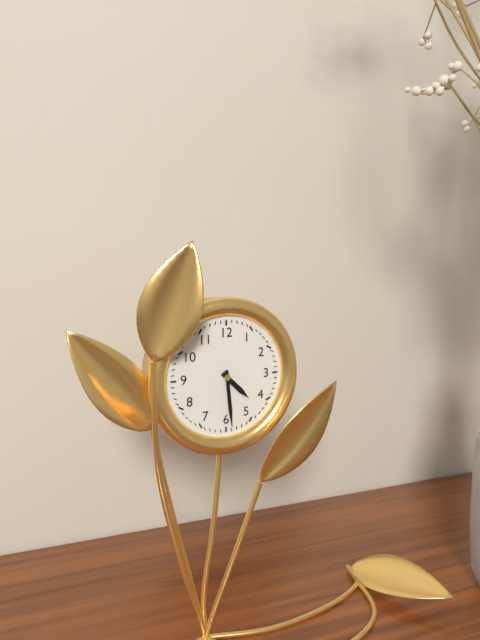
4.29
